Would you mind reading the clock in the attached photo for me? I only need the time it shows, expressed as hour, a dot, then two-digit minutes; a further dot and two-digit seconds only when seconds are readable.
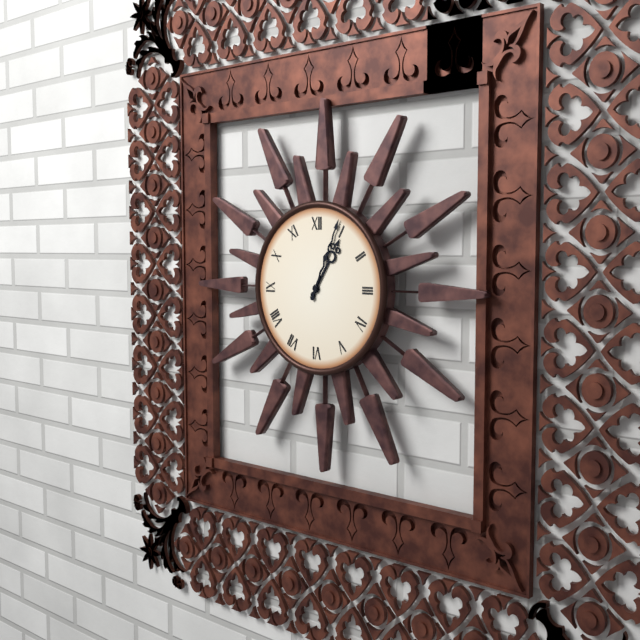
1.04
